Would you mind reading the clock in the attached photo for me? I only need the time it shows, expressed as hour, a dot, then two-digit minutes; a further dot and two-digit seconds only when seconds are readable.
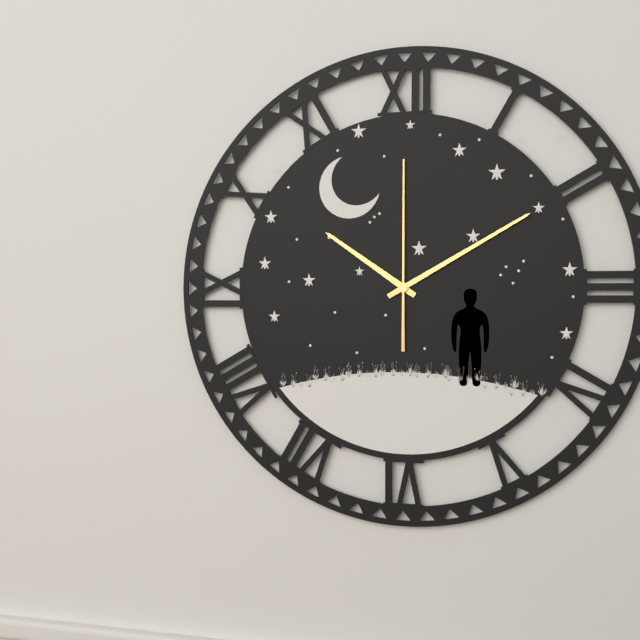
10.10.00
